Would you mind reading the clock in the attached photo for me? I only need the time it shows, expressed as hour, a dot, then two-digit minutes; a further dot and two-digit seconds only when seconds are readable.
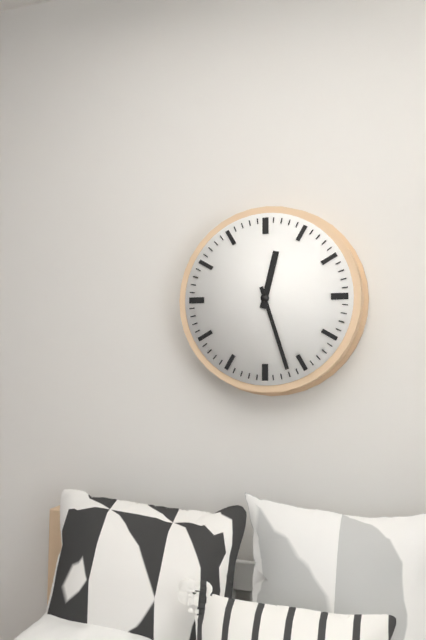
12.27
